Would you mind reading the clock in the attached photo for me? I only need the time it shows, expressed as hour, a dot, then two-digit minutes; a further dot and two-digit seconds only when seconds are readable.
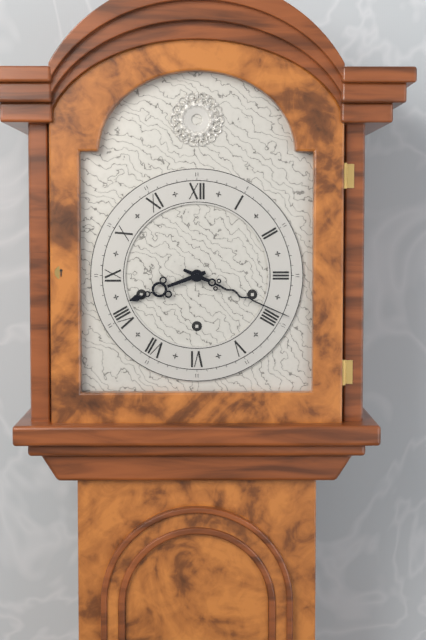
8.19
